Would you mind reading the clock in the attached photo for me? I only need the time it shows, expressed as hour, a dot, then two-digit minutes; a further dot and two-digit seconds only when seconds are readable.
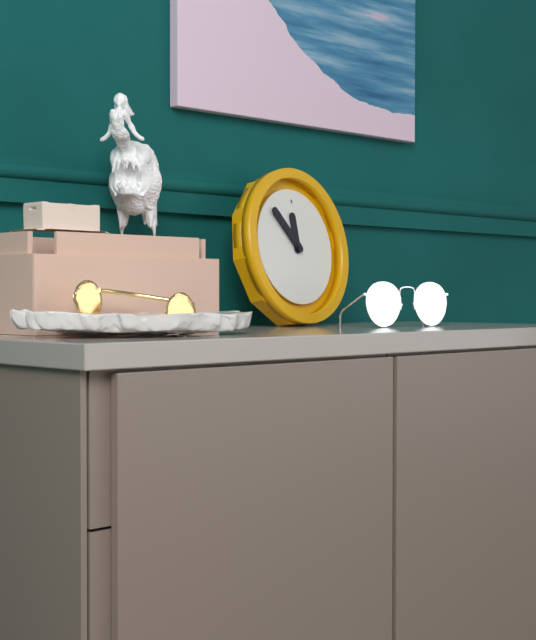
11.53
